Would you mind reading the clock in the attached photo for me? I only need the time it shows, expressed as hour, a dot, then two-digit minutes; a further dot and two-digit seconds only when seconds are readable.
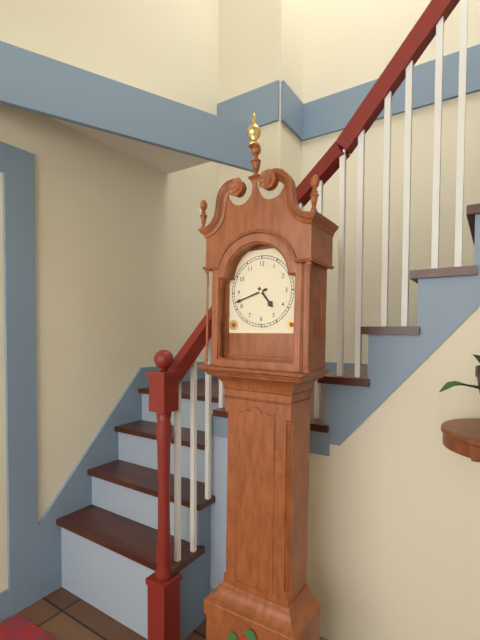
4.42
